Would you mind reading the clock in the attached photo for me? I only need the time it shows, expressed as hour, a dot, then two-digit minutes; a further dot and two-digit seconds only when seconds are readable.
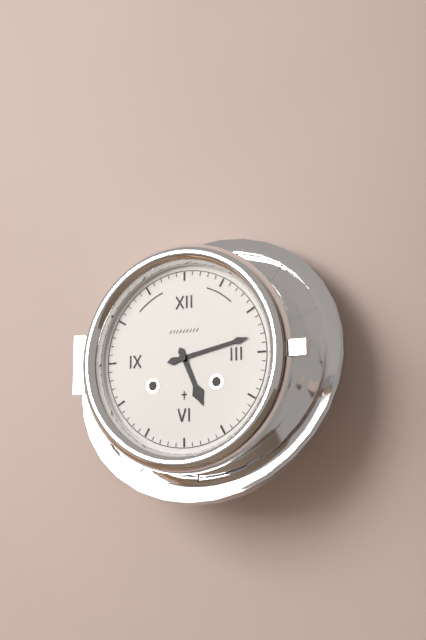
5.13
